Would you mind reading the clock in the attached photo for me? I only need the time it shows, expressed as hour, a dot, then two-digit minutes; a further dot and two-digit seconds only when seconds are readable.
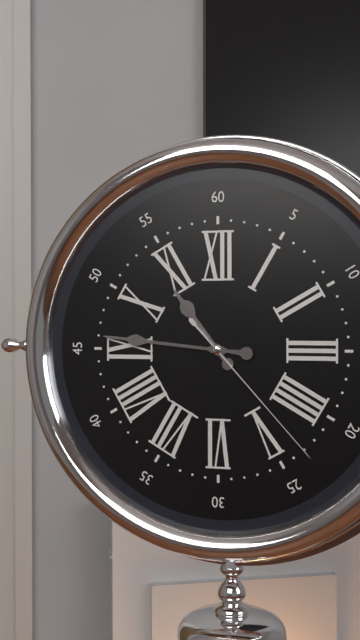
10.46.23
